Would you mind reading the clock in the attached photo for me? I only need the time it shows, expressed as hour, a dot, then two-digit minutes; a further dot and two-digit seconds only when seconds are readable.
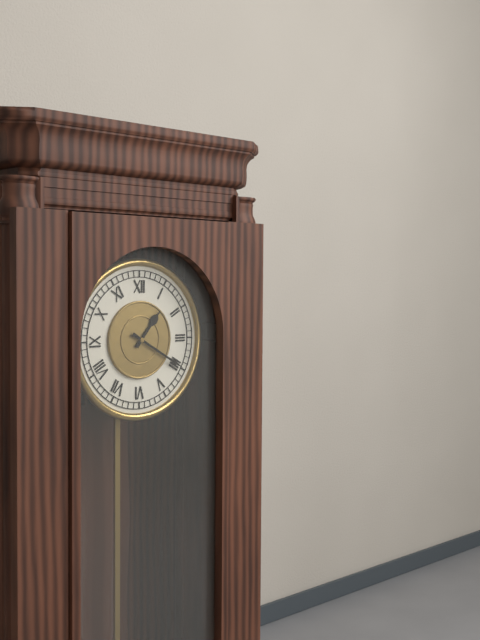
1.20
